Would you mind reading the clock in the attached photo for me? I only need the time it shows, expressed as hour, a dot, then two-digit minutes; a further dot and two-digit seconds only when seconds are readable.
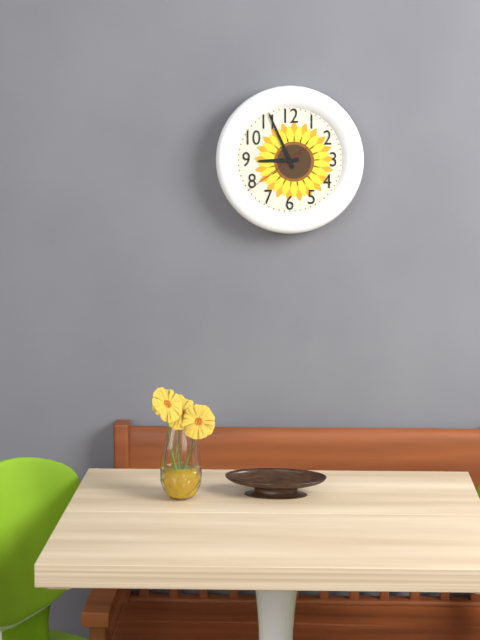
8.56.39
